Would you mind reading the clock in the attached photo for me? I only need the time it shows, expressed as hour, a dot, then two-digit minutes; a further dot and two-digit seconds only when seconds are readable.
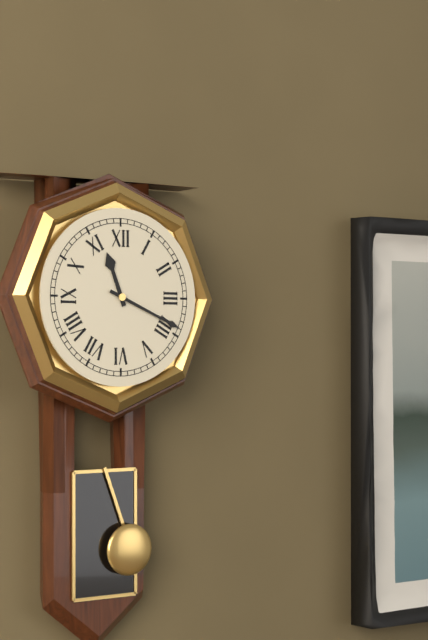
11.19
